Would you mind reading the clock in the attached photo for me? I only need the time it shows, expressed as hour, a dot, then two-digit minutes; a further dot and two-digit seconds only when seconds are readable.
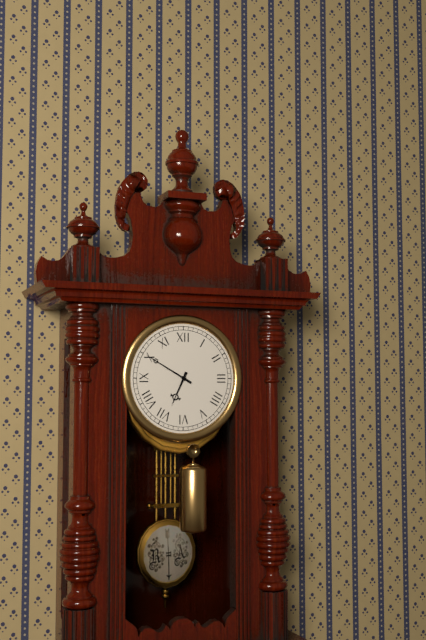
6.50
